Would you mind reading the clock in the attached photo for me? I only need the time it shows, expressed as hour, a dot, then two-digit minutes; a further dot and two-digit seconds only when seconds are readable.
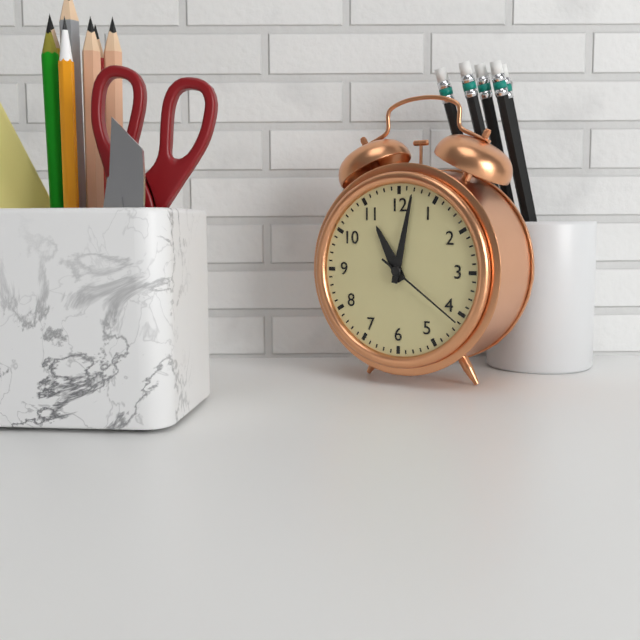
11.02.21
